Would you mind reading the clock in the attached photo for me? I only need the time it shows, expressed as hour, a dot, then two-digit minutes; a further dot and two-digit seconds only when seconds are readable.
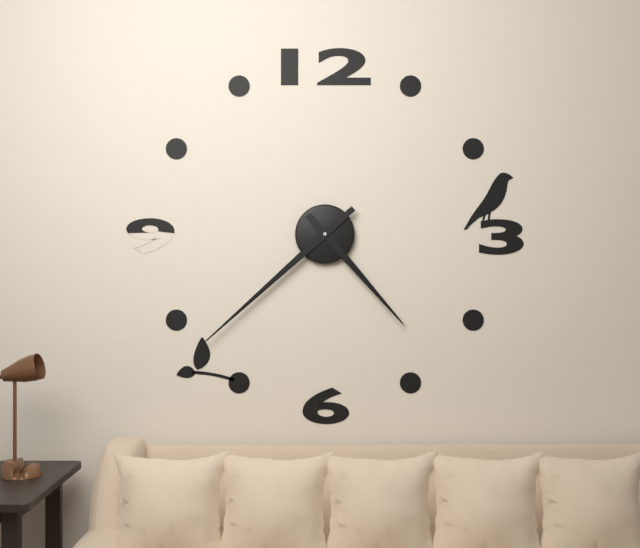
4.38
